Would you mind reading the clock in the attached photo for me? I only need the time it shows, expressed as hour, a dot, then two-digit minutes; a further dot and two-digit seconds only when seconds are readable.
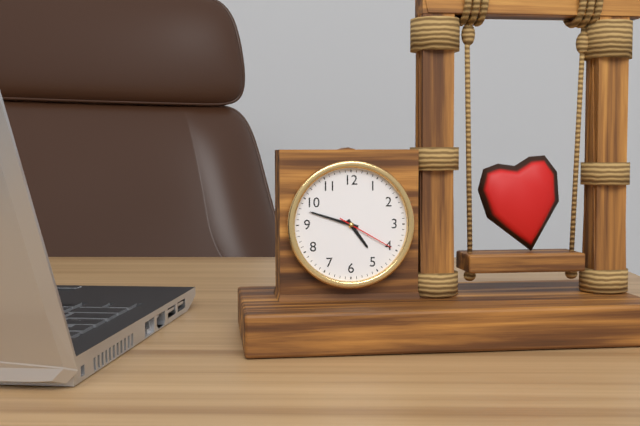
4.48.20
